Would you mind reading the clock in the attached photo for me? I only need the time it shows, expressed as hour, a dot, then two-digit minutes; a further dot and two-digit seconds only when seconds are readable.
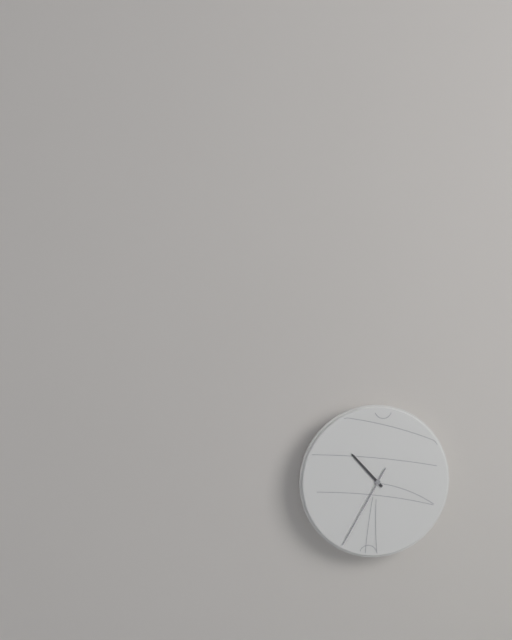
10.35
